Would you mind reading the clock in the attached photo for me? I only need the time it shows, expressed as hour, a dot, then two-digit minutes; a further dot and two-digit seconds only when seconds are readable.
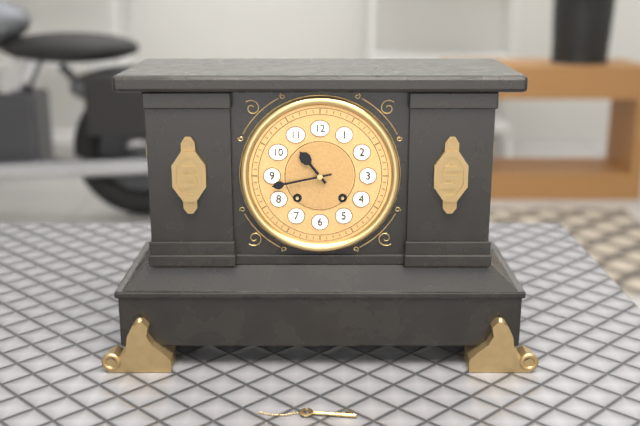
10.43
